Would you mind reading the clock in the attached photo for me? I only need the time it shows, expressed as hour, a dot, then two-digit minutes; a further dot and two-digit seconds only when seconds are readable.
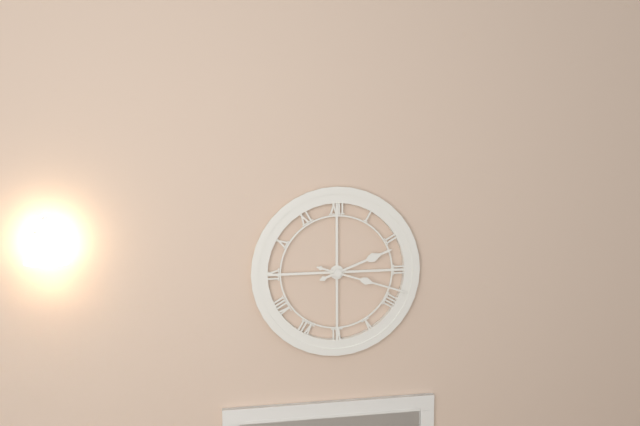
2.18
